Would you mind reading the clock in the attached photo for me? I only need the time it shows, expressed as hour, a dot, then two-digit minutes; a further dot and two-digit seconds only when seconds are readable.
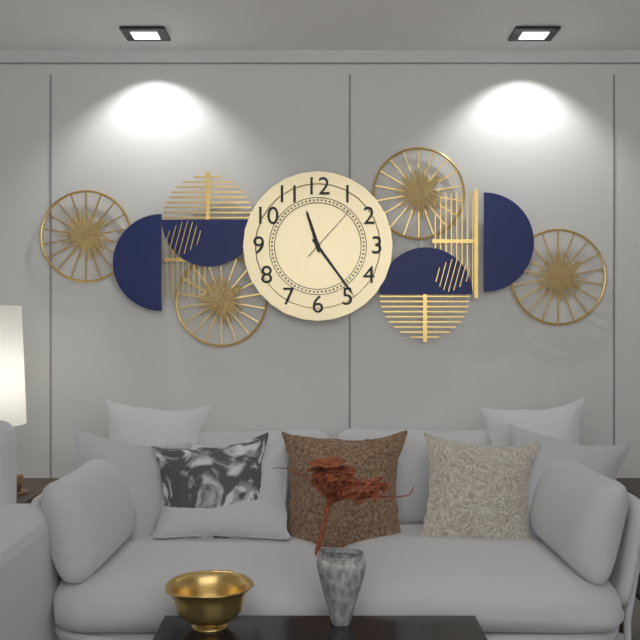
11.24.07
